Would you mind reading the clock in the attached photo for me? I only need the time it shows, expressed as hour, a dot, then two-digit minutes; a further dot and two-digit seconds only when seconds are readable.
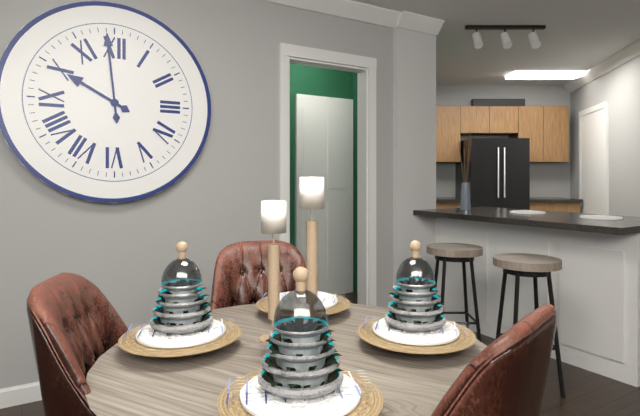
9.59
